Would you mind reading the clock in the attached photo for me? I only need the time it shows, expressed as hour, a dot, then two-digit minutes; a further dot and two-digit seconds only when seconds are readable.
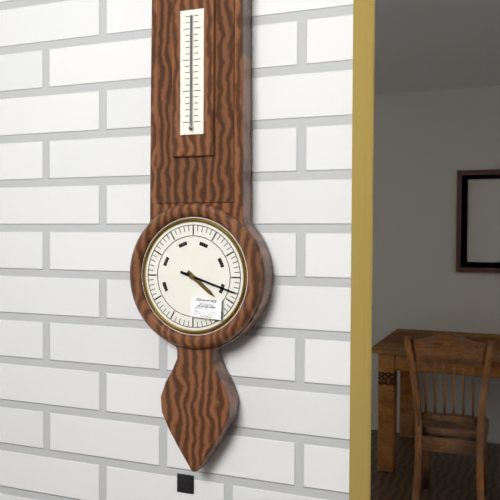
4.18
